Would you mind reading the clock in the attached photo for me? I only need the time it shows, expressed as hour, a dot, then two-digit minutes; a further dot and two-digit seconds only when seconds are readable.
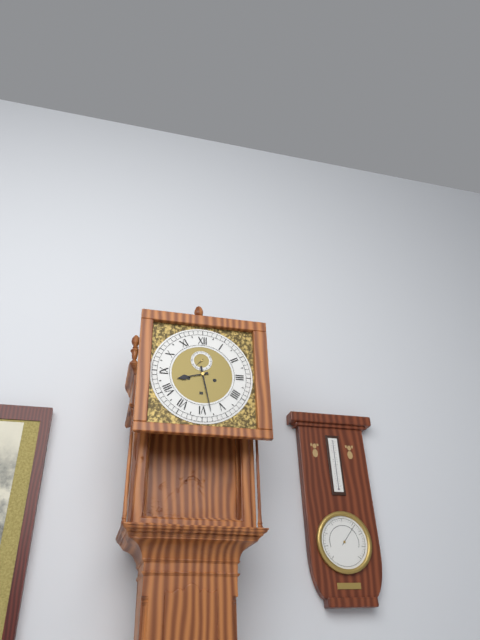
8.28
